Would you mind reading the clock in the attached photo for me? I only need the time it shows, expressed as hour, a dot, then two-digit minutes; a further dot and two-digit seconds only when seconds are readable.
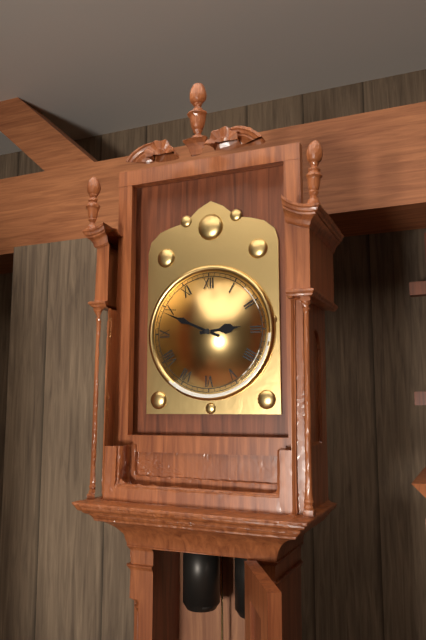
2.49
